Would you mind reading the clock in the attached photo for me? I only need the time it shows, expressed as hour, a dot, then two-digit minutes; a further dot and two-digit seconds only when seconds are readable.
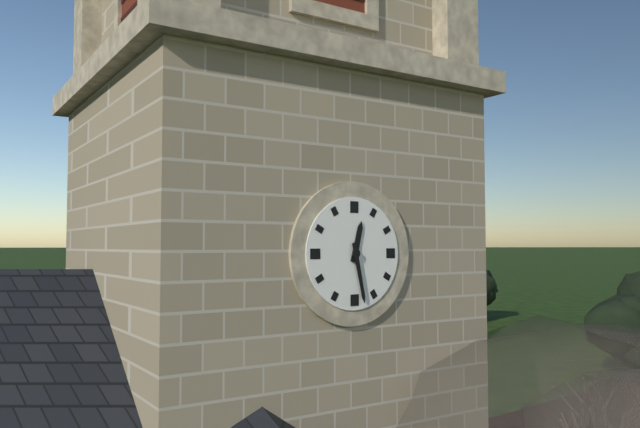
12.28
